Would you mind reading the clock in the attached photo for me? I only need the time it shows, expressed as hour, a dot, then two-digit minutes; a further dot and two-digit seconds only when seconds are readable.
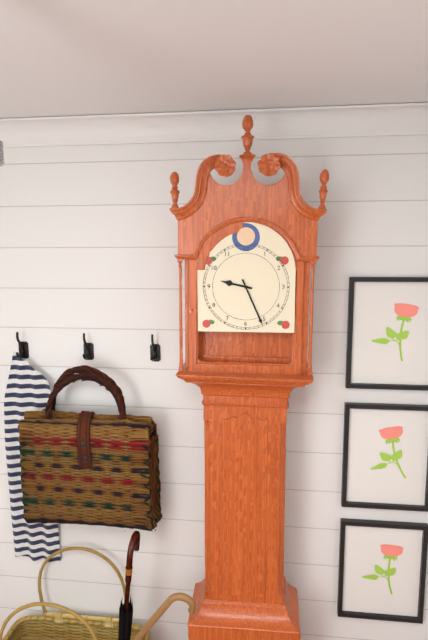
9.26
